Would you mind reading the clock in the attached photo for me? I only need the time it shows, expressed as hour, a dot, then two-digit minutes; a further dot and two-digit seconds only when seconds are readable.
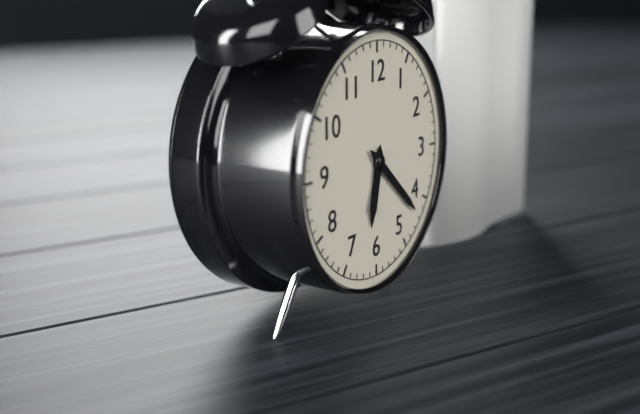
6.22
